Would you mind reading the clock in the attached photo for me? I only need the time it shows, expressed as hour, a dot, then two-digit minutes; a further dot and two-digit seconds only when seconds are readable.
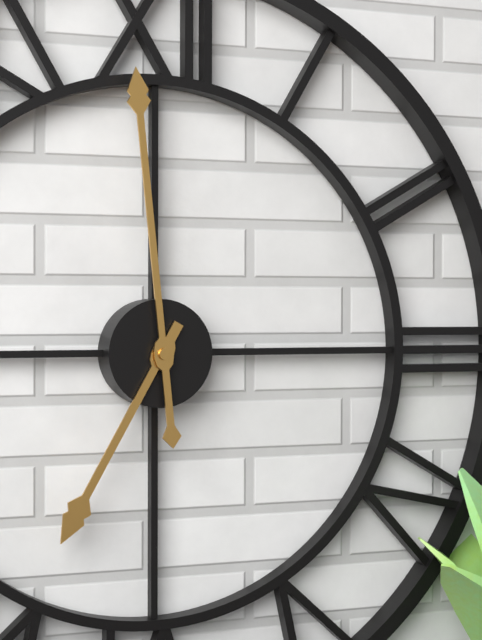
6.59
